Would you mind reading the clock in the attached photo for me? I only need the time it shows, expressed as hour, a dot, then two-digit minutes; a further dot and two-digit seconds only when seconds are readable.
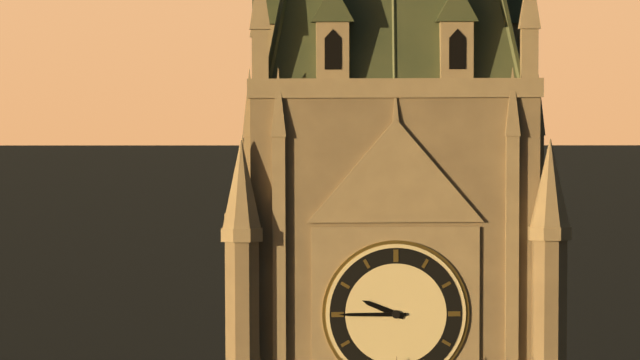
9.45
